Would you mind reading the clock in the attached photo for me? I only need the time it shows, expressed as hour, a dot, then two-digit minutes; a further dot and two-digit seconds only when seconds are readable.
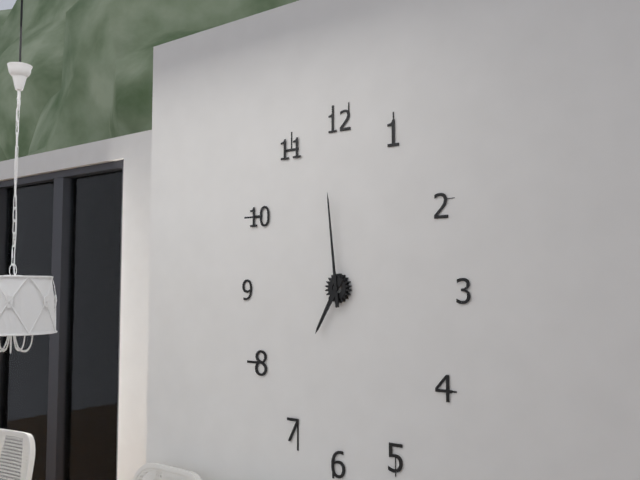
6.59
